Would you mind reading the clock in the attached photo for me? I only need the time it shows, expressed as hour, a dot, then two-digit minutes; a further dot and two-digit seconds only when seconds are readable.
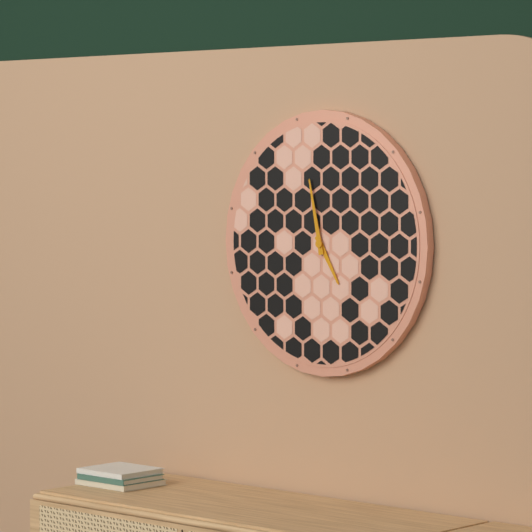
4.58
